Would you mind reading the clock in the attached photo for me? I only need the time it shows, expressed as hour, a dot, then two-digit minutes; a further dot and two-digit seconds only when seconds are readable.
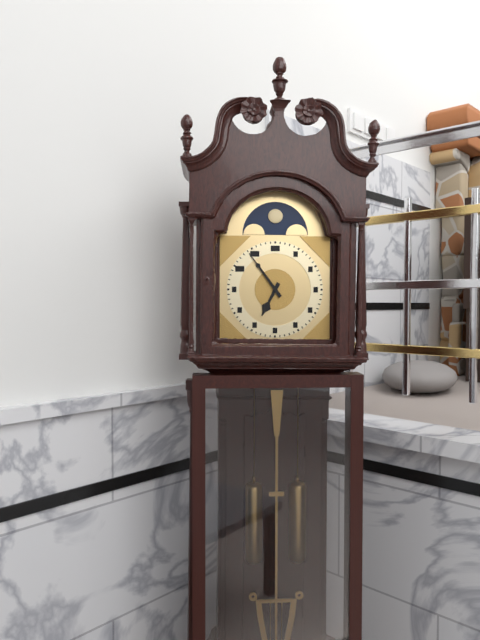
6.54
